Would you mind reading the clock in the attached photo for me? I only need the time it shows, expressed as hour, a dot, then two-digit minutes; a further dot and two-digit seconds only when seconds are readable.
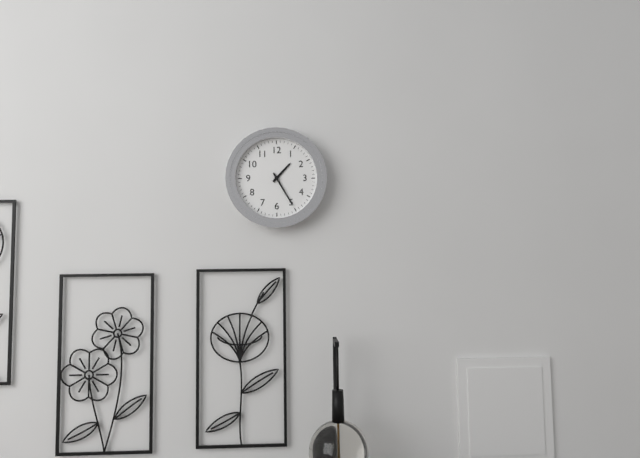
1.25
